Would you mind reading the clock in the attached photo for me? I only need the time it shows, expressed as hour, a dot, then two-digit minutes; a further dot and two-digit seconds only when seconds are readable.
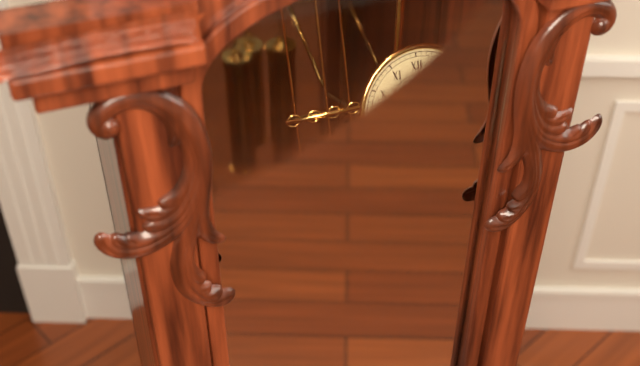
8.47
